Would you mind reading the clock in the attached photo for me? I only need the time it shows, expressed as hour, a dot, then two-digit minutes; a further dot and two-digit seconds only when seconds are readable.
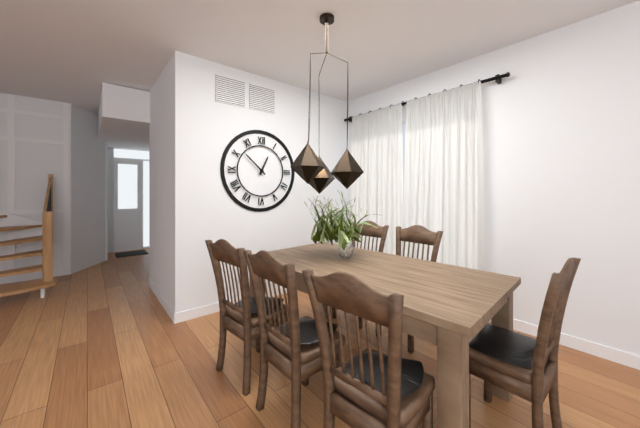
12.52
